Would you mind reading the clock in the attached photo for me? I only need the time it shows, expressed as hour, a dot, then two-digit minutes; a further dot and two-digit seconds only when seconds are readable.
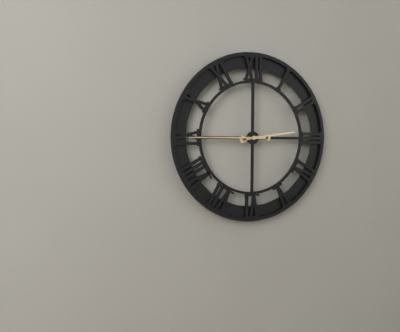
2.45
